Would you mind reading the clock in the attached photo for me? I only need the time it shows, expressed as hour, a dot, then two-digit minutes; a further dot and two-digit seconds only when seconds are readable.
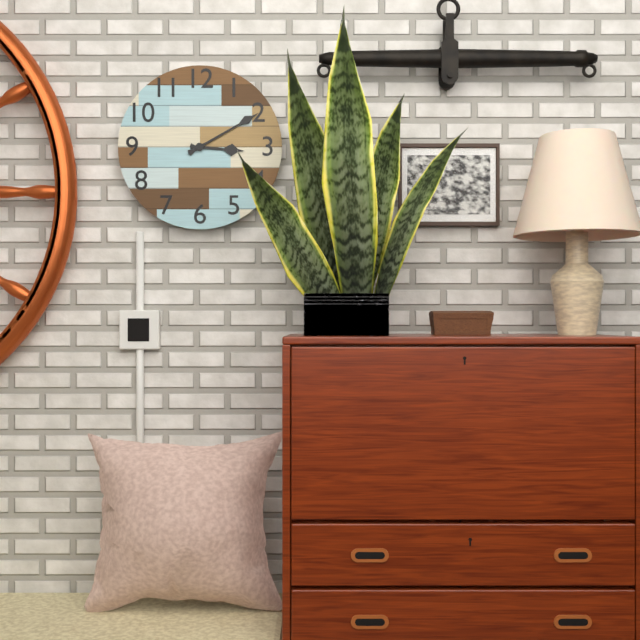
3.10
